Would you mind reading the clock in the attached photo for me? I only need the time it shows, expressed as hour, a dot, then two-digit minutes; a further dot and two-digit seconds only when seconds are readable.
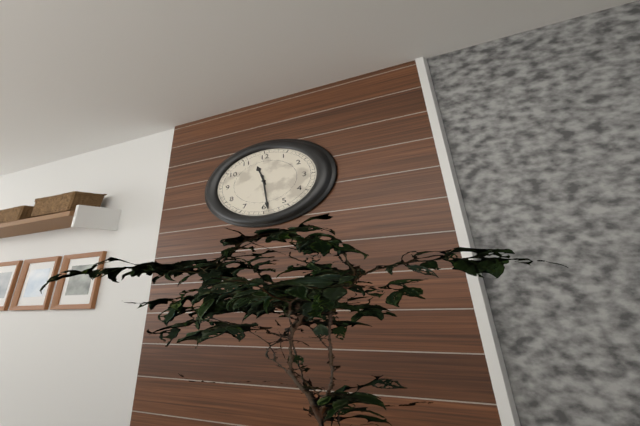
11.29
